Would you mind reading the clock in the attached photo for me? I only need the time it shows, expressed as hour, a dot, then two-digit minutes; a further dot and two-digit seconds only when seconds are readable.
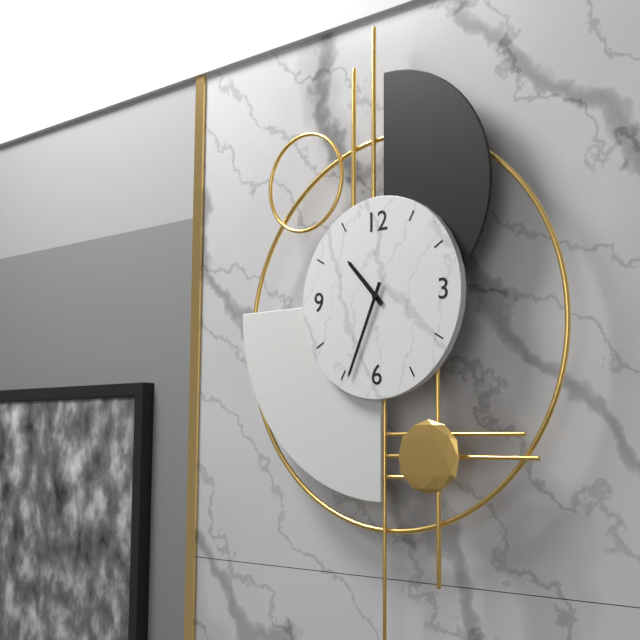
10.34
